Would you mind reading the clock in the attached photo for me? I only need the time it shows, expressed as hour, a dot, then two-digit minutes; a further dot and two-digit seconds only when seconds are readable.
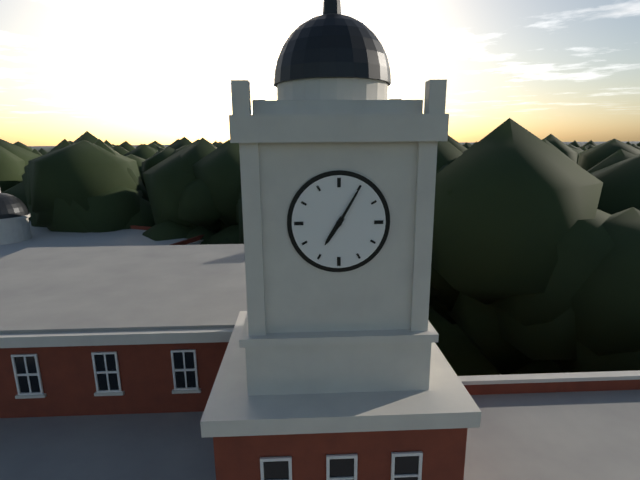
7.05
